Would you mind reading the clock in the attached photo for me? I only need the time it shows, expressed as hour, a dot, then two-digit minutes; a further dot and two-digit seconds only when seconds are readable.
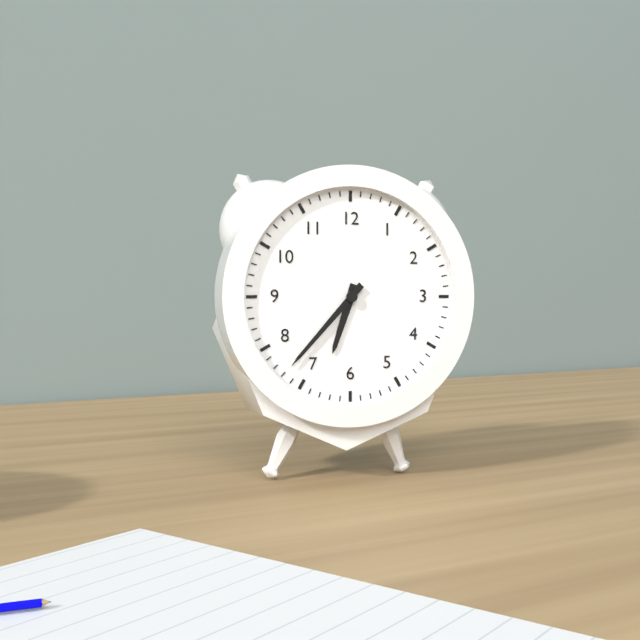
6.37
